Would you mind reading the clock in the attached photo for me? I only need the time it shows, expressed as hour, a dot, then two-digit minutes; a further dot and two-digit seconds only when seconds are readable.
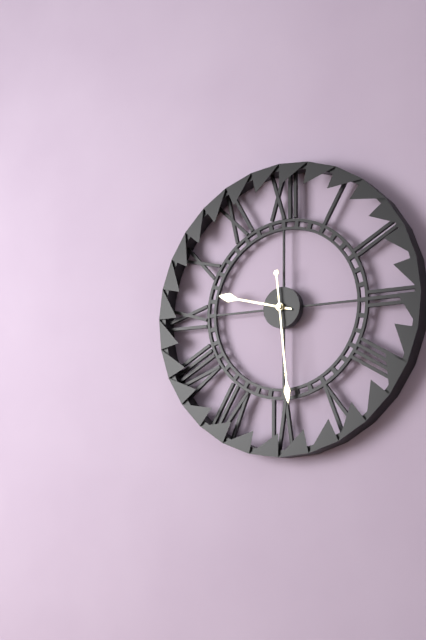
9.29
